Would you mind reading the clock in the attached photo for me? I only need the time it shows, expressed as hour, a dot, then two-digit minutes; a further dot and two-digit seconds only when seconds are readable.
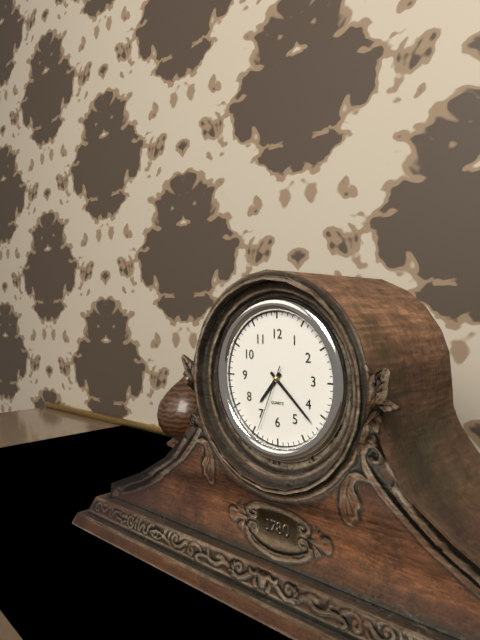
7.22.34
